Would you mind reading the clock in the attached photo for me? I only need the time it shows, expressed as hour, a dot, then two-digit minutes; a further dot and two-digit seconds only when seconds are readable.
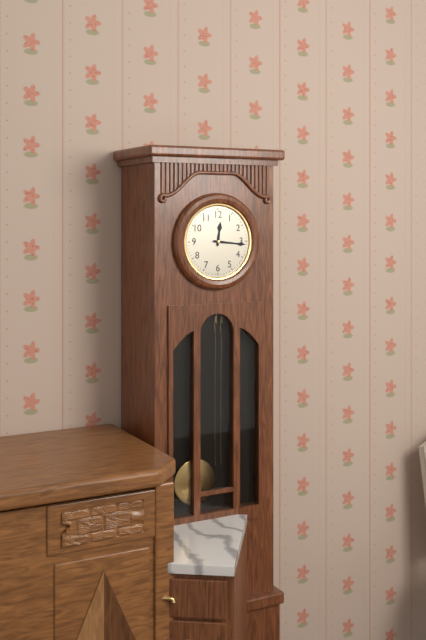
12.16
